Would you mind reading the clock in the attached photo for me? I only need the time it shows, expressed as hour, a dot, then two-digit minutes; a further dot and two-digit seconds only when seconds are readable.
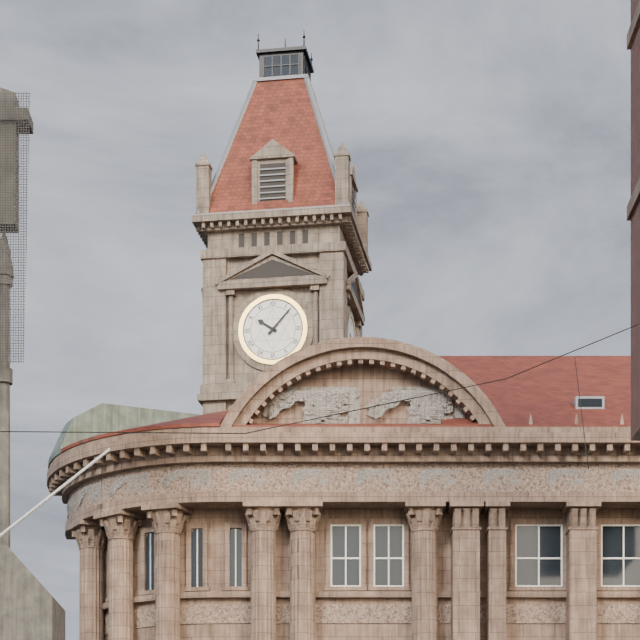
10.07
